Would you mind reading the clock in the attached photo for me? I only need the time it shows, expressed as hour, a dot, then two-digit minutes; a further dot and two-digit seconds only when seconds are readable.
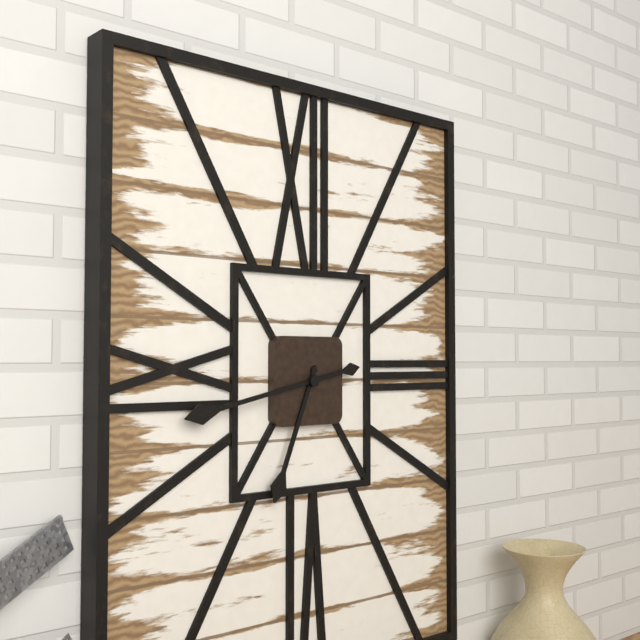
6.43
